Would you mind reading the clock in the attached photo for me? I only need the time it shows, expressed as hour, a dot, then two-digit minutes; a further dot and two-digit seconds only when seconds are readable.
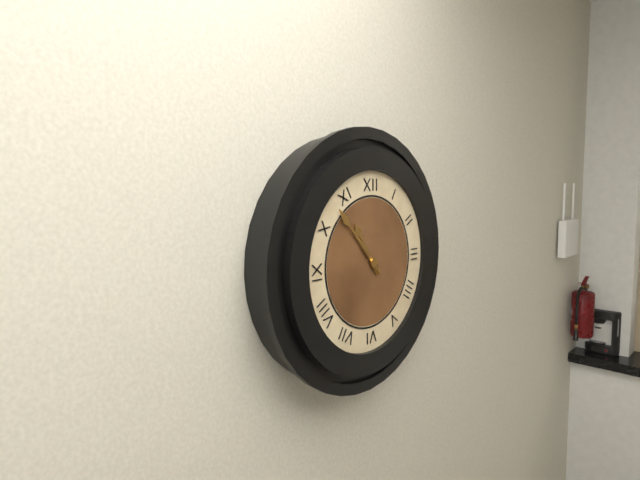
10.53
